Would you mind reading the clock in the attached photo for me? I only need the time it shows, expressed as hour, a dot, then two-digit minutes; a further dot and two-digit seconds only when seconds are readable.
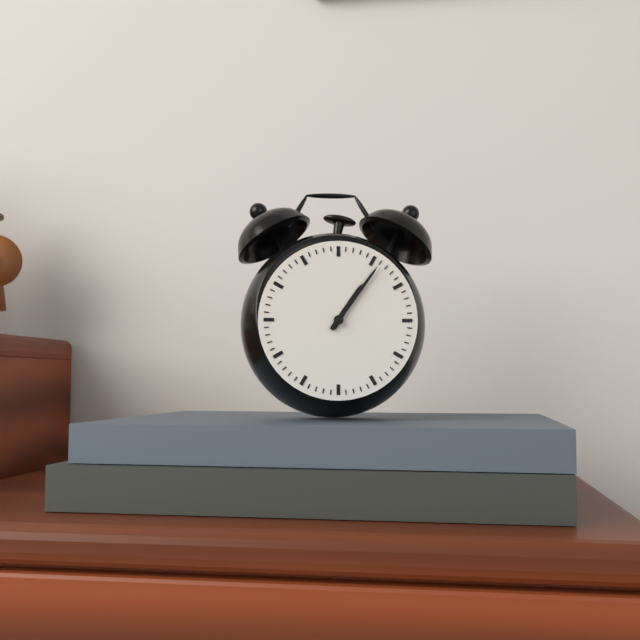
1.06
